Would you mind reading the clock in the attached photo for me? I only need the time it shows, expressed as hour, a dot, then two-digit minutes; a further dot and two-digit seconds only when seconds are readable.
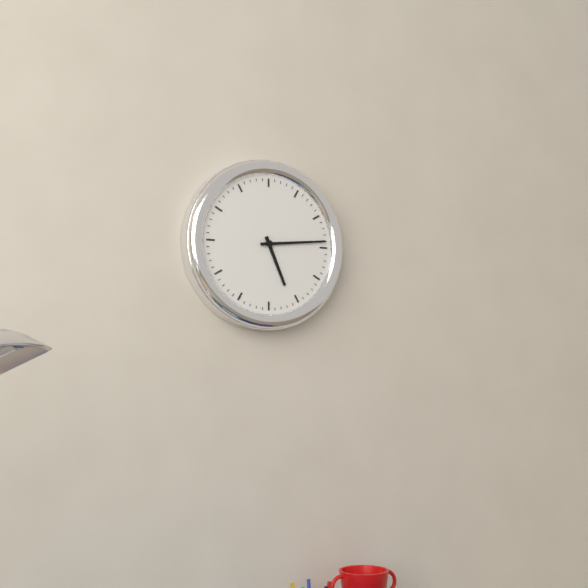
5.14
